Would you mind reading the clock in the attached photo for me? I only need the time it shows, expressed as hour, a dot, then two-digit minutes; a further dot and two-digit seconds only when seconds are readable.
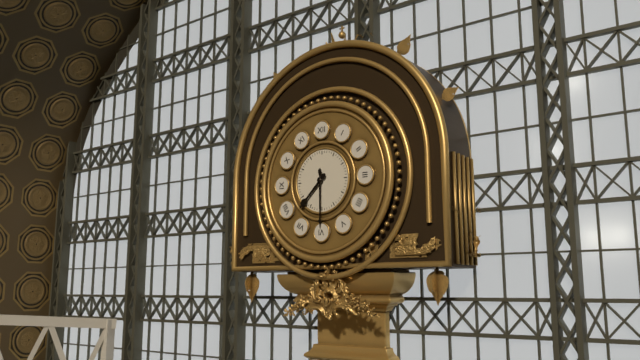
7.30
